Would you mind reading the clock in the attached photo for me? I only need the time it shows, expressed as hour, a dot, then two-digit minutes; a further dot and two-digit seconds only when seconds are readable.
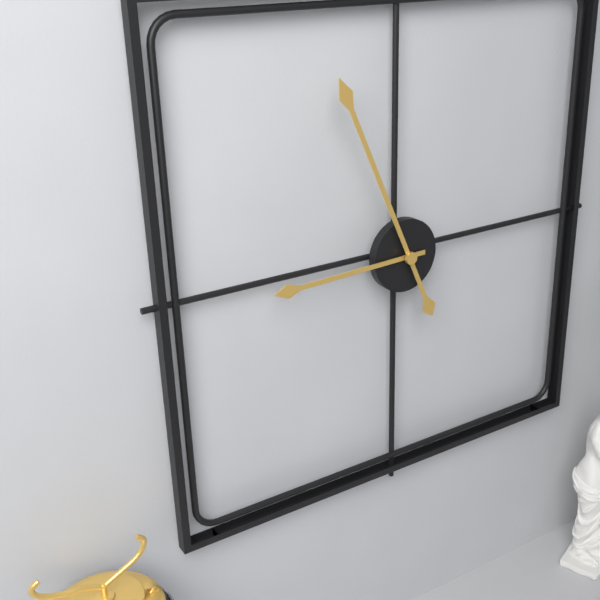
8.56
